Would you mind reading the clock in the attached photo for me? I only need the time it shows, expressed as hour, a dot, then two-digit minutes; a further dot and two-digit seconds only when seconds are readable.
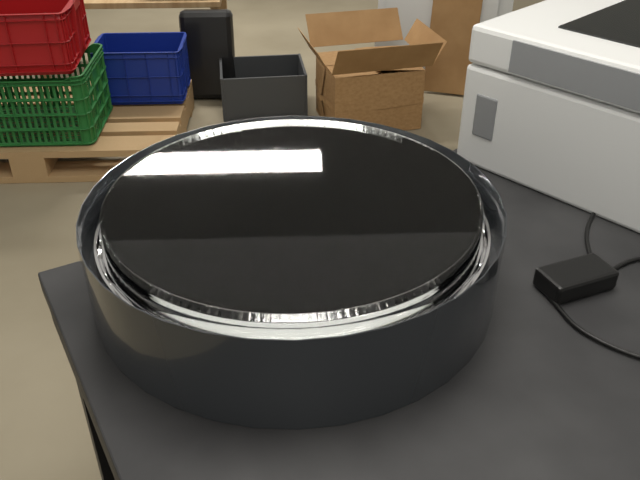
7.48
